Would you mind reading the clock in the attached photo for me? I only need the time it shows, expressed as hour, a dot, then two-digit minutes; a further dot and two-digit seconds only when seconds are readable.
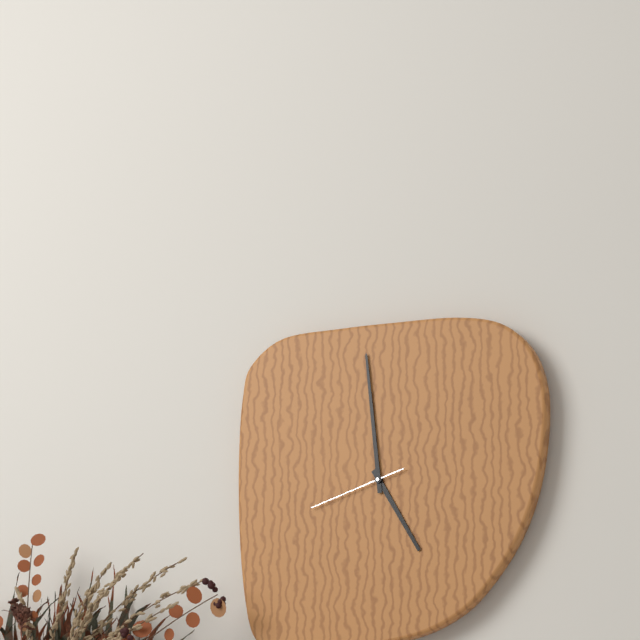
4.59.42
